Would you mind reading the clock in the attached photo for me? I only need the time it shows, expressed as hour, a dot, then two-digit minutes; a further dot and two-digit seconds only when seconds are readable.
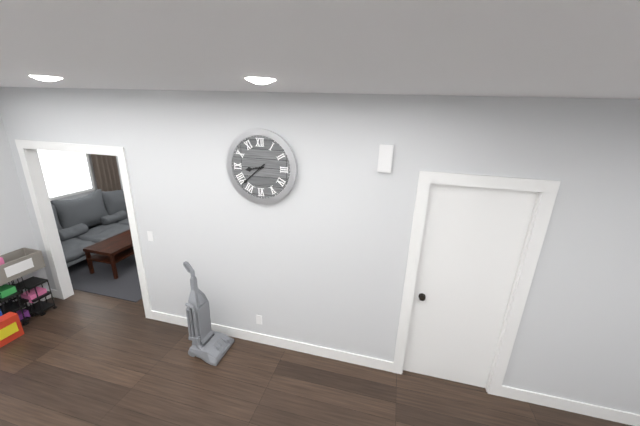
8.38
